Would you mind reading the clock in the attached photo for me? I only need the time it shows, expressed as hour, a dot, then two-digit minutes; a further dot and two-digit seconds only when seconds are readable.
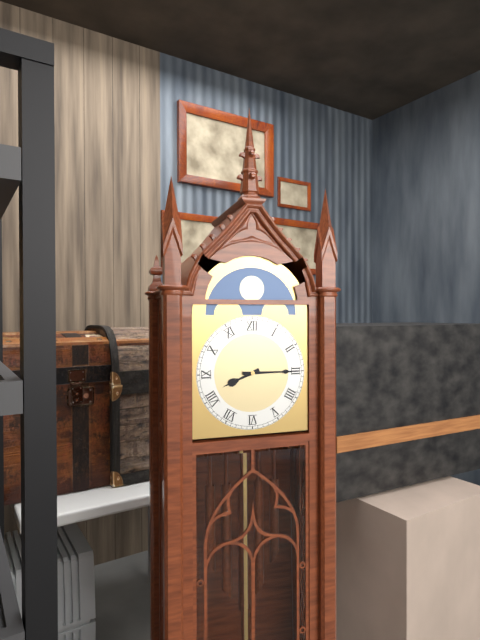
8.15
